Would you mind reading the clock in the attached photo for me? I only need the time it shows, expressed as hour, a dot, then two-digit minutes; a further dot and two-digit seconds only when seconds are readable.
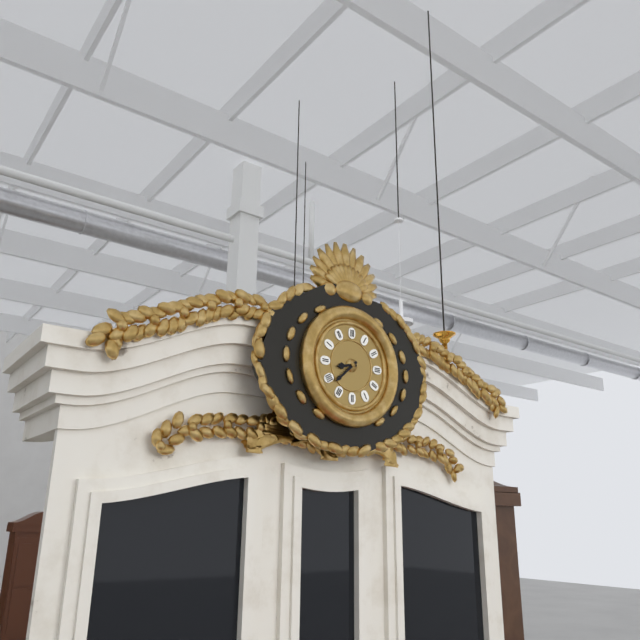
8.38
